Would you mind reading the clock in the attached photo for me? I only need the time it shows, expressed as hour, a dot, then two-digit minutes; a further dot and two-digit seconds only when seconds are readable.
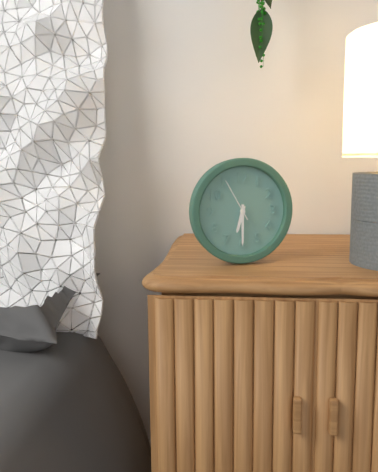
6.30
